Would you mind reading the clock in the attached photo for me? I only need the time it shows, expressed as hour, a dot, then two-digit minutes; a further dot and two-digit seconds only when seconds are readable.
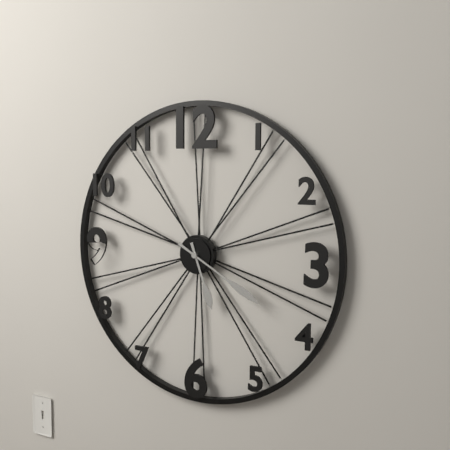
5.20
